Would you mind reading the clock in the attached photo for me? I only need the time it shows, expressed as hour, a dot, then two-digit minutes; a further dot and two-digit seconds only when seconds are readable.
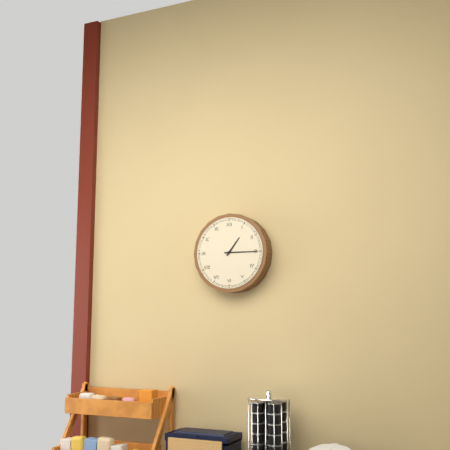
1.15
